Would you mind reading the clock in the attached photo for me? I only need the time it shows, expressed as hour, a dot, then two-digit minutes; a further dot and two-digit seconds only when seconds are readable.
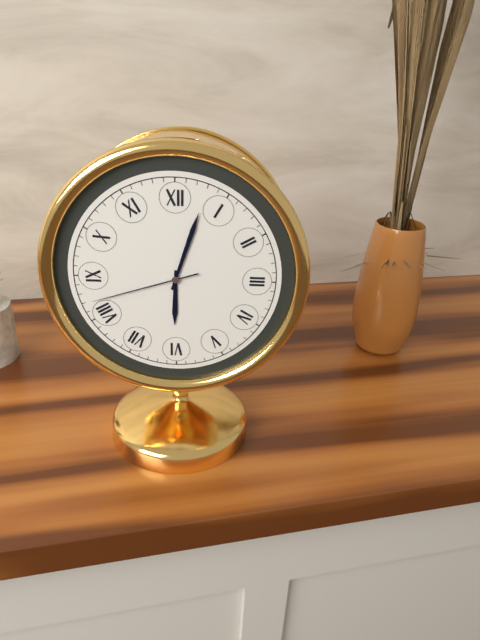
6.03.42
